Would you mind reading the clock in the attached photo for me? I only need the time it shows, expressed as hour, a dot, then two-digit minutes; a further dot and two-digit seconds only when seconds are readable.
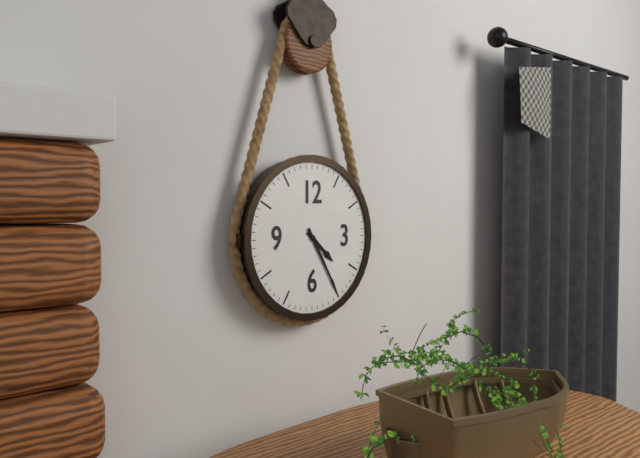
4.25
